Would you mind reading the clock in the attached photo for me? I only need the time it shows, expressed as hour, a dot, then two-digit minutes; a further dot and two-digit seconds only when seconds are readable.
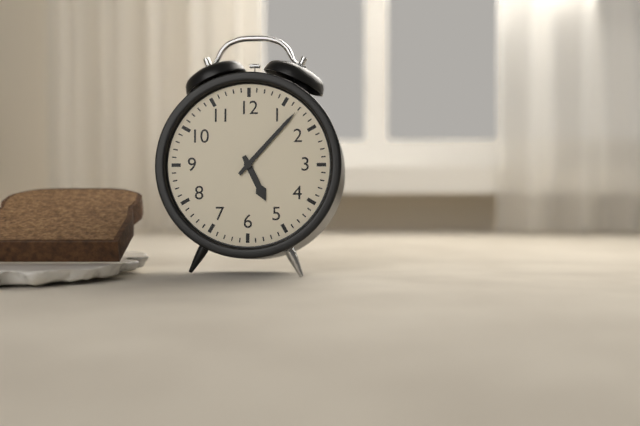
5.07
